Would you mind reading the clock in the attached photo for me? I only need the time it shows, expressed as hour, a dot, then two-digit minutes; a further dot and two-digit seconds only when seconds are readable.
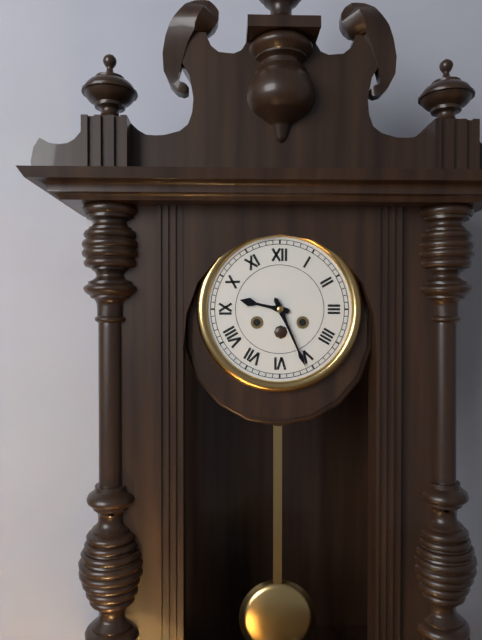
9.26
